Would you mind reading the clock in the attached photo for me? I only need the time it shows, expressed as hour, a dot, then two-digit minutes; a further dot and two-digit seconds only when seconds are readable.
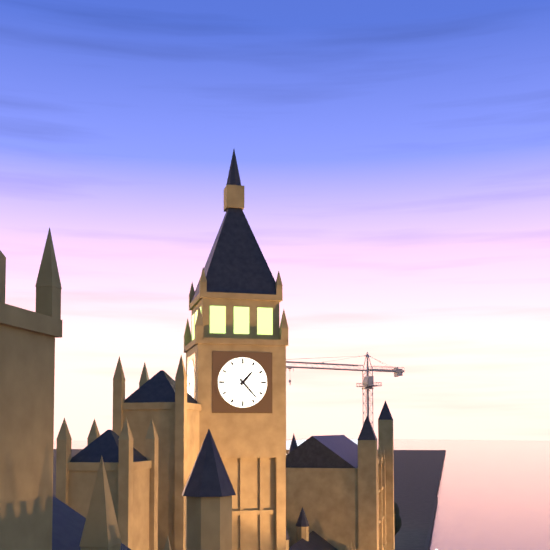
1.23
